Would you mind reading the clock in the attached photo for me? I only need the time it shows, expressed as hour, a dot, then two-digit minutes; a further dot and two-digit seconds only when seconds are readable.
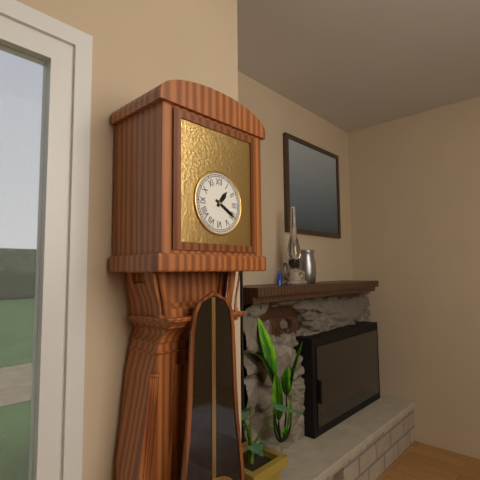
1.20
